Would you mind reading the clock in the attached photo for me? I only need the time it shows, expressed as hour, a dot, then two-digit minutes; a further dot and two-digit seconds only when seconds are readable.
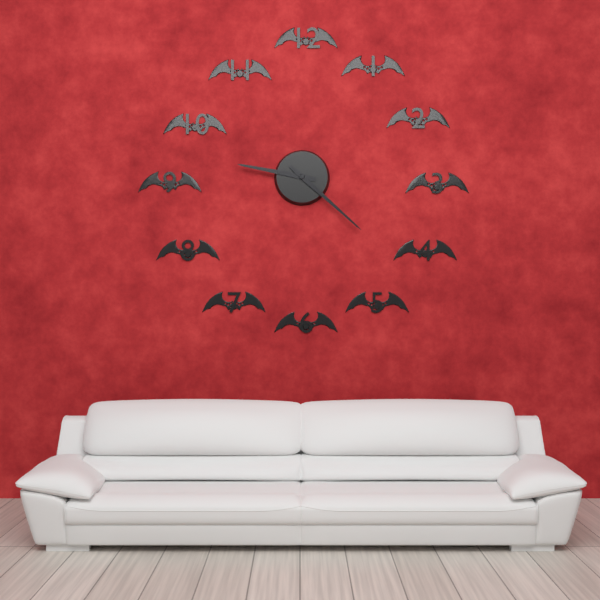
9.22
